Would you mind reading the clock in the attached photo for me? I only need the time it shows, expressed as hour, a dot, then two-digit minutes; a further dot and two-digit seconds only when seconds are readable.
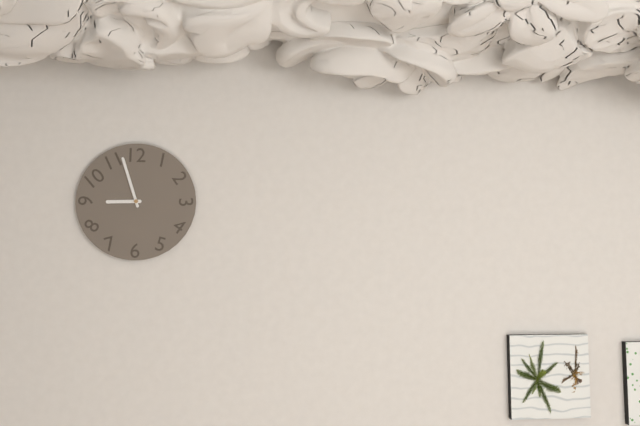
8.57
